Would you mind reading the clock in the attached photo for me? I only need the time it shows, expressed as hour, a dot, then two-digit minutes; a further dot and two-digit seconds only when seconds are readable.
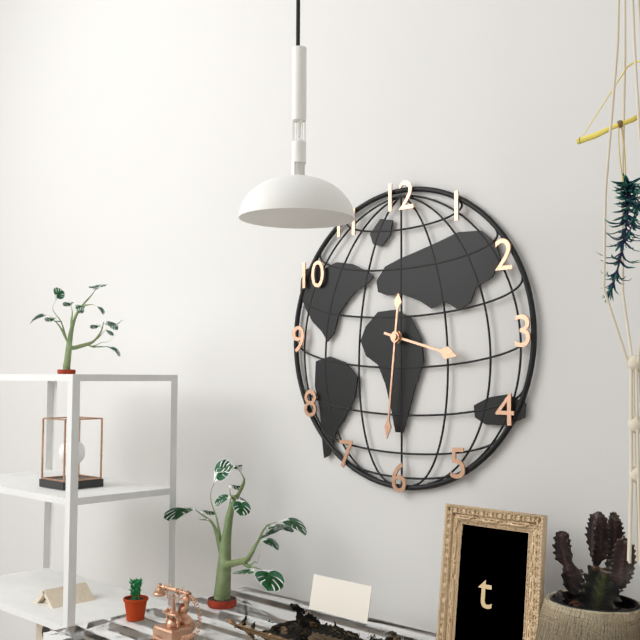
3.31
